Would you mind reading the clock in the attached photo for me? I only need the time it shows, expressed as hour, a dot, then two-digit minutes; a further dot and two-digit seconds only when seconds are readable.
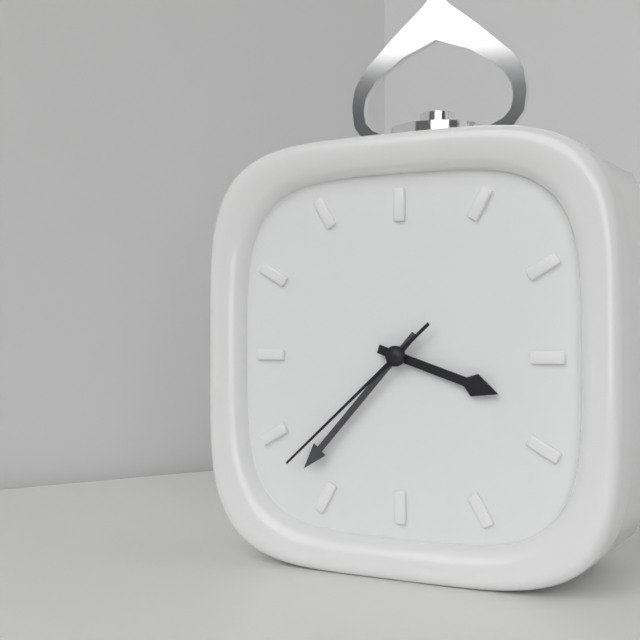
3.37.38
